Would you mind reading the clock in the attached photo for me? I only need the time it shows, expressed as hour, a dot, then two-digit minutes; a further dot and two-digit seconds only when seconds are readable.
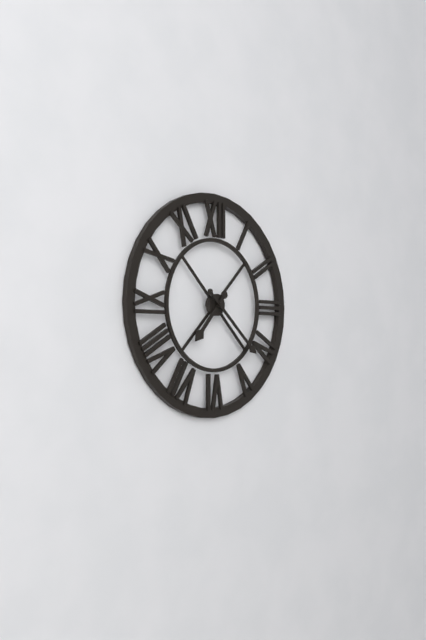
7.22
